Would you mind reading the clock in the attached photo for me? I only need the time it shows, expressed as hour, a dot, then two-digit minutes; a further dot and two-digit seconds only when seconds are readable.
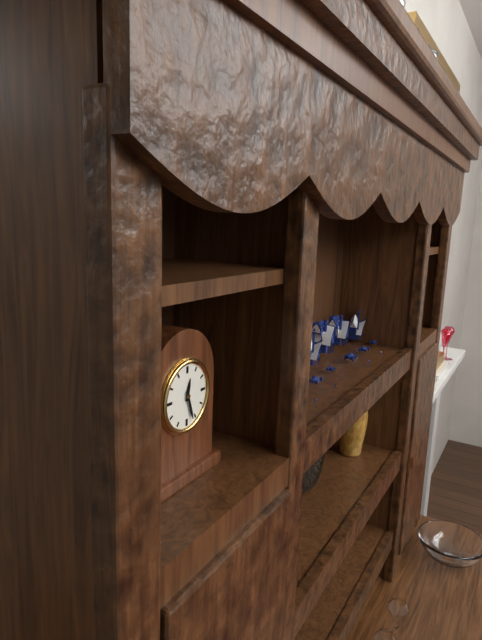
12.27
